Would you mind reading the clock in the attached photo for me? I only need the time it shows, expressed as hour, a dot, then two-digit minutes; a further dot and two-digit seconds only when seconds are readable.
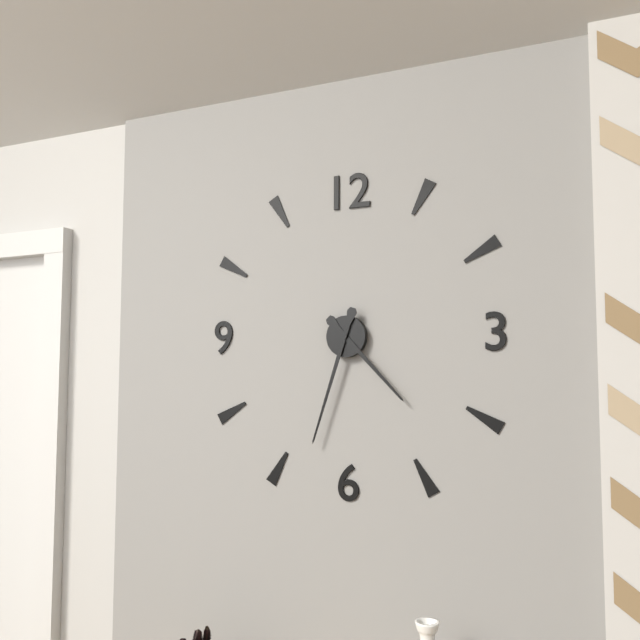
4.33
